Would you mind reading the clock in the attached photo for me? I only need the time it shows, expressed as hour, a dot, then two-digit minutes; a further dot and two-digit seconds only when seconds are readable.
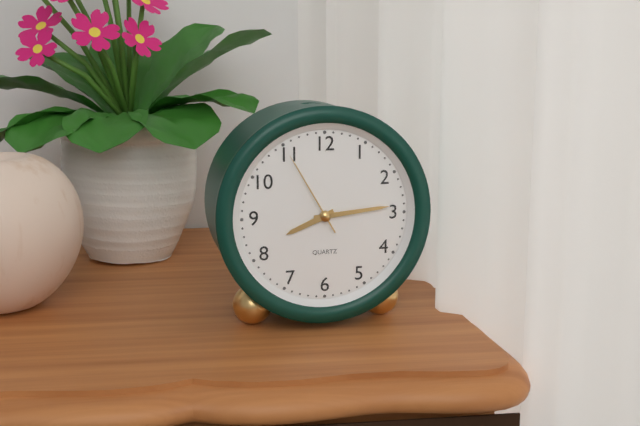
8.14.55
